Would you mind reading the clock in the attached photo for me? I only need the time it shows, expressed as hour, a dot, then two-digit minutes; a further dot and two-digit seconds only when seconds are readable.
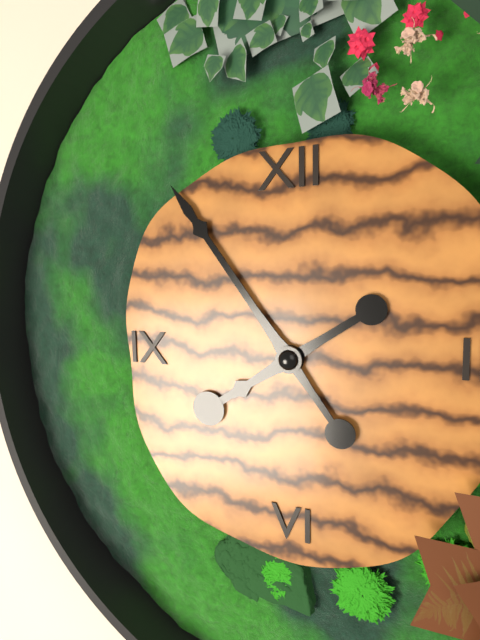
7.54
